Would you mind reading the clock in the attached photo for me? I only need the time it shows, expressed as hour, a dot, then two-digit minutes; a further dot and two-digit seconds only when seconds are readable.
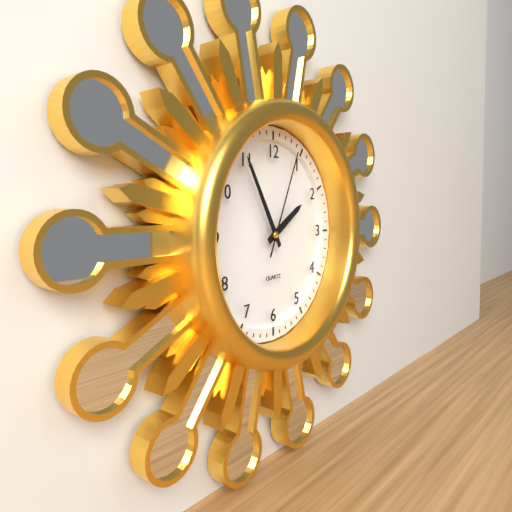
1.55.04
